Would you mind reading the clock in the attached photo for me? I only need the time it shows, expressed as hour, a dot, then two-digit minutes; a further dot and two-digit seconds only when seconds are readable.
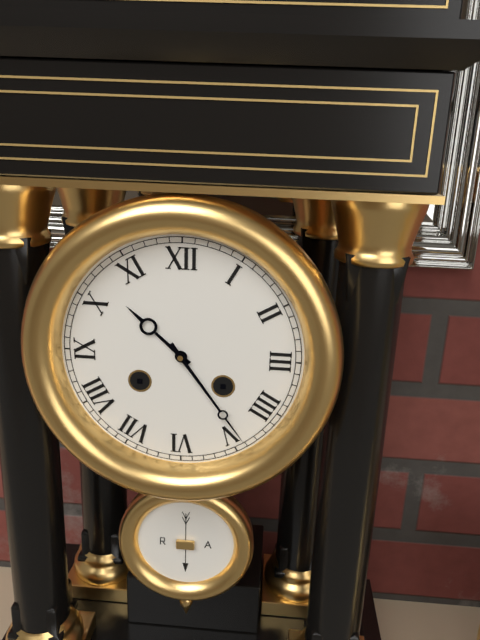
10.24
